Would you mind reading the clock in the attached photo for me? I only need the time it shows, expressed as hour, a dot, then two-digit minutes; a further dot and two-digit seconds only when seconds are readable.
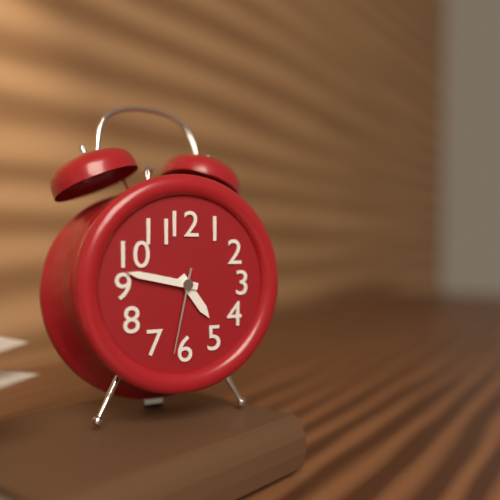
4.47.32
